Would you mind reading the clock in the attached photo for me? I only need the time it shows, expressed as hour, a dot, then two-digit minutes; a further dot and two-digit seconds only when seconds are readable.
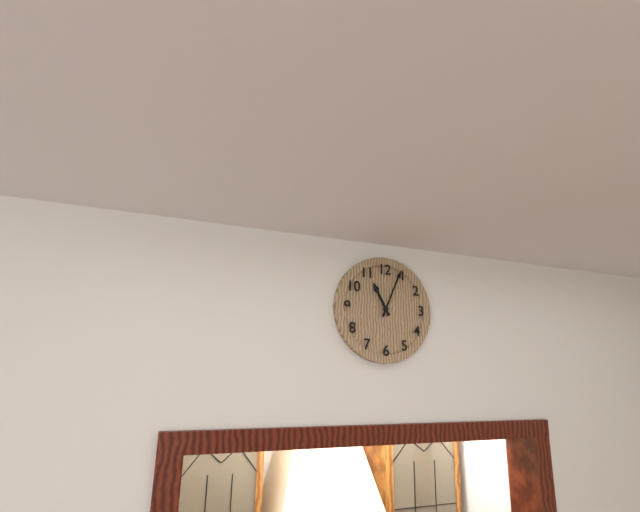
11.04
